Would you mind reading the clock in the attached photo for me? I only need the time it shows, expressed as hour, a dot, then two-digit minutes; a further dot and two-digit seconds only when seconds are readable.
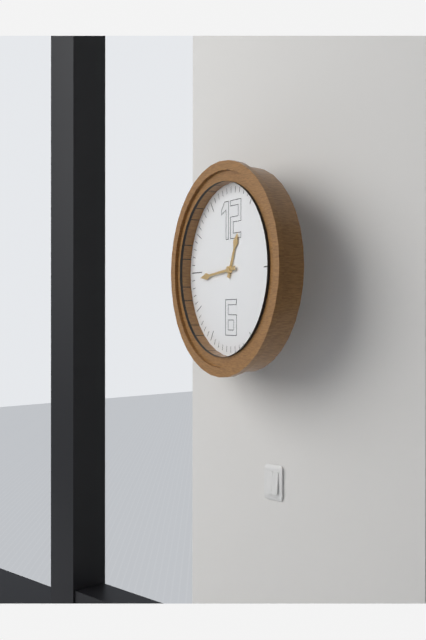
12.44
